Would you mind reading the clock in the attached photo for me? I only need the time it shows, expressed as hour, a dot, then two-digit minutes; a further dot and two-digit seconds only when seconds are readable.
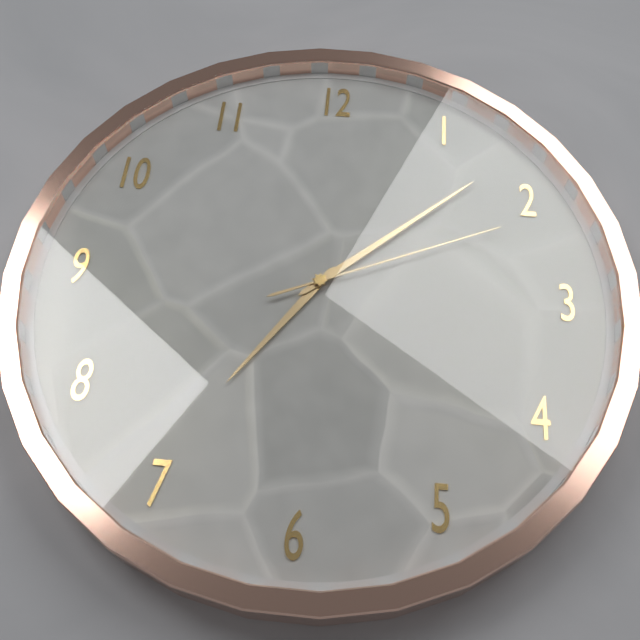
7.08.11
